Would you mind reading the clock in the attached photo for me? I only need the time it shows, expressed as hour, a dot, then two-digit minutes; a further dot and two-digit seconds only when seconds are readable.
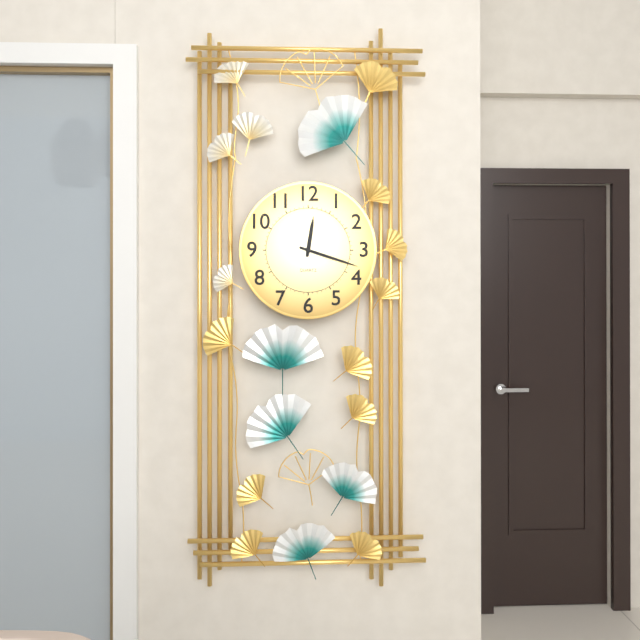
12.18
